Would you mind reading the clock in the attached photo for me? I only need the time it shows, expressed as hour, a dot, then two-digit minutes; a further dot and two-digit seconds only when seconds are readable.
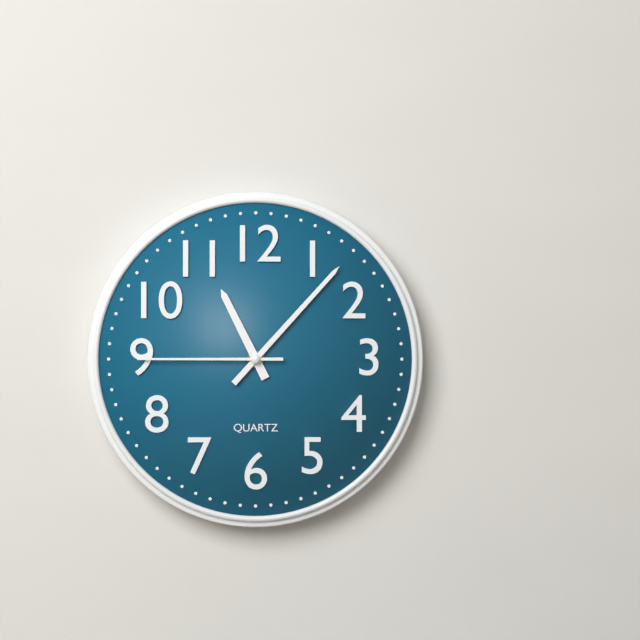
11.07.45
